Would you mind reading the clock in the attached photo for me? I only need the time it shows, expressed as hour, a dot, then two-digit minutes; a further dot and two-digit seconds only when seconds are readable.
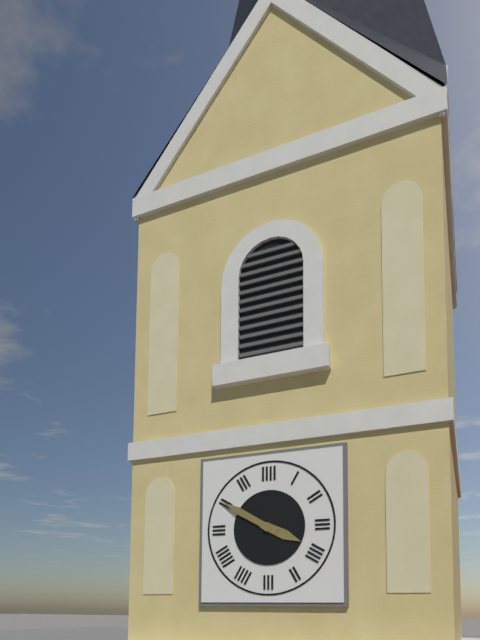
3.50
